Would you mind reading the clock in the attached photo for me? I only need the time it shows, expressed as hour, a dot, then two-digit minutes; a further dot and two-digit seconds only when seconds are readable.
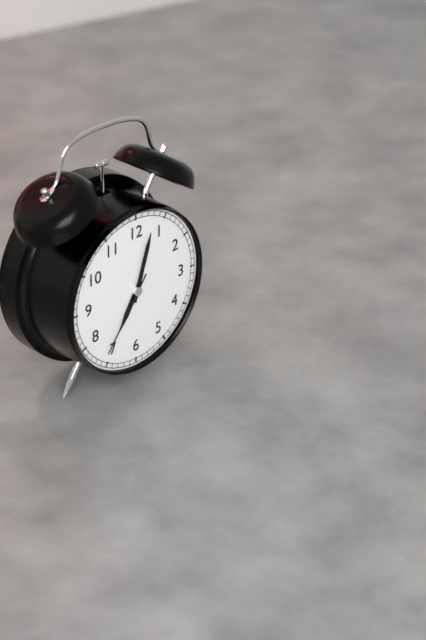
7.03.36
